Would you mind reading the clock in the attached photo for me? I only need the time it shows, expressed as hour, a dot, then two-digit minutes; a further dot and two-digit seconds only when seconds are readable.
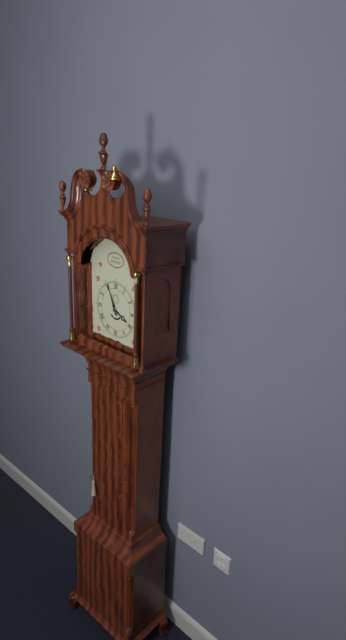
3.56
